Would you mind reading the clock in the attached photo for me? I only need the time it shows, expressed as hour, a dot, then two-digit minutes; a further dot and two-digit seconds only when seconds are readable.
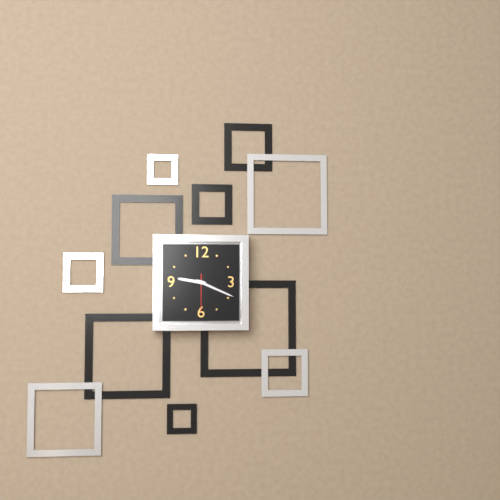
9.19
